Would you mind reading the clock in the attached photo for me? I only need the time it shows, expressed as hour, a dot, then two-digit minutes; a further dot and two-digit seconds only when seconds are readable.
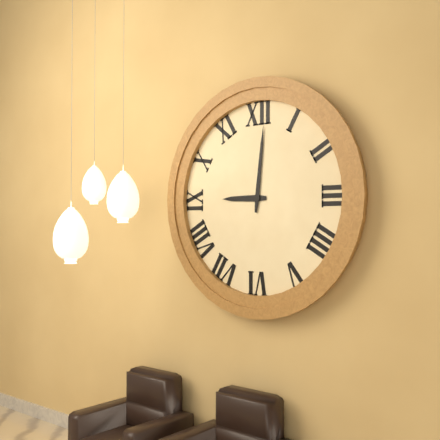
9.01
